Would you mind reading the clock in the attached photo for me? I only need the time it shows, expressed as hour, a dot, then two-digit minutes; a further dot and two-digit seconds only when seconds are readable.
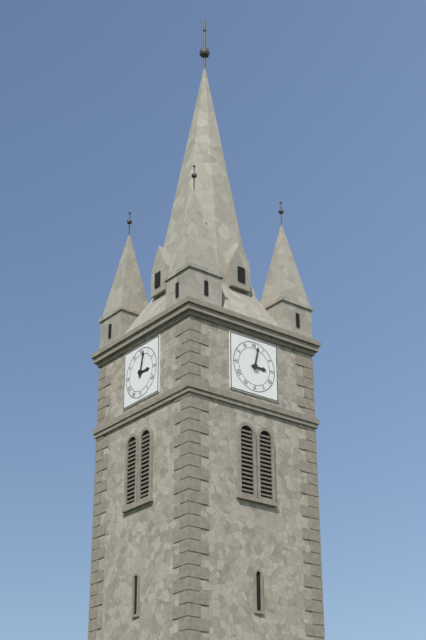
3.02
